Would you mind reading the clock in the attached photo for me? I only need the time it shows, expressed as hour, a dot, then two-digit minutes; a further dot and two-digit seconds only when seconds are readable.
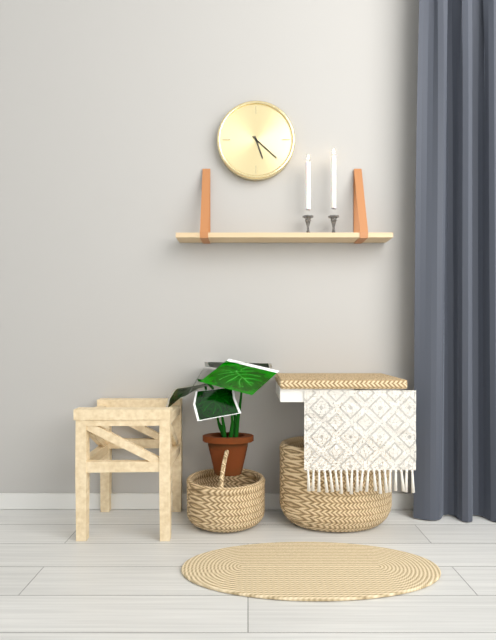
5.22
